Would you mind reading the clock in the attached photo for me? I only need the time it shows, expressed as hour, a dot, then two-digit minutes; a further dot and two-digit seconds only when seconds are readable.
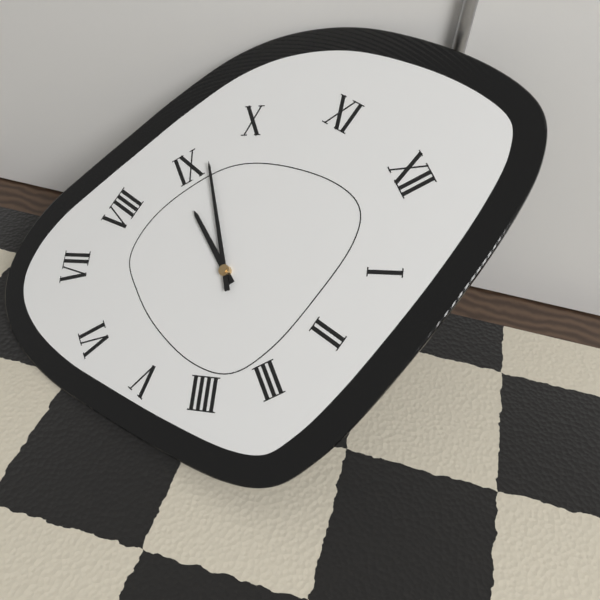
8.47
